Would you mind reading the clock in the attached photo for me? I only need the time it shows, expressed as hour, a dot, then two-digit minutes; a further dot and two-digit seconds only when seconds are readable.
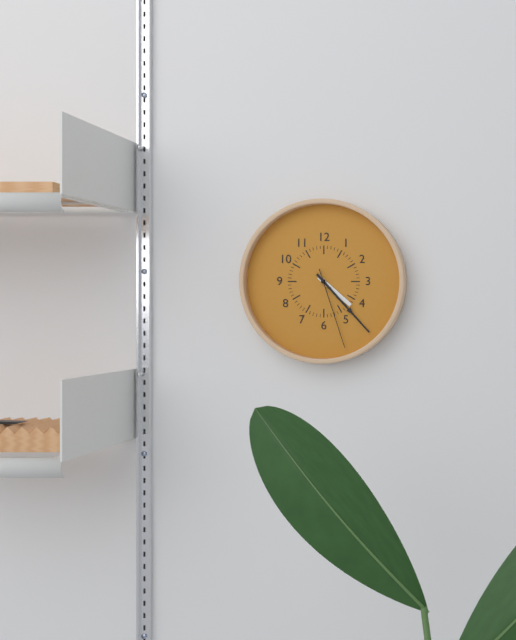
4.23.27
